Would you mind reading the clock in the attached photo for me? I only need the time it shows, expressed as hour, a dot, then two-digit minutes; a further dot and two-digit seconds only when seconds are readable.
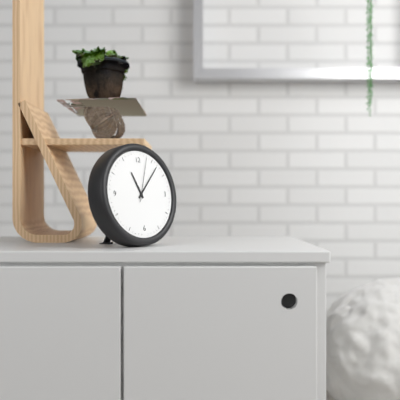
11.07
